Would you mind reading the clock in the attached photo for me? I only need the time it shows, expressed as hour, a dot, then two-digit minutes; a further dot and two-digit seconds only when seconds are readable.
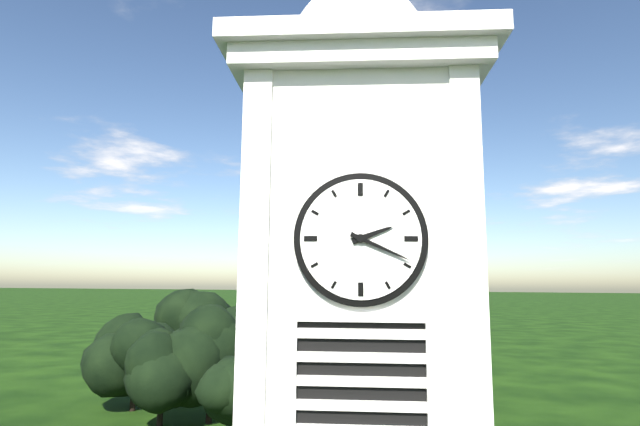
2.19
